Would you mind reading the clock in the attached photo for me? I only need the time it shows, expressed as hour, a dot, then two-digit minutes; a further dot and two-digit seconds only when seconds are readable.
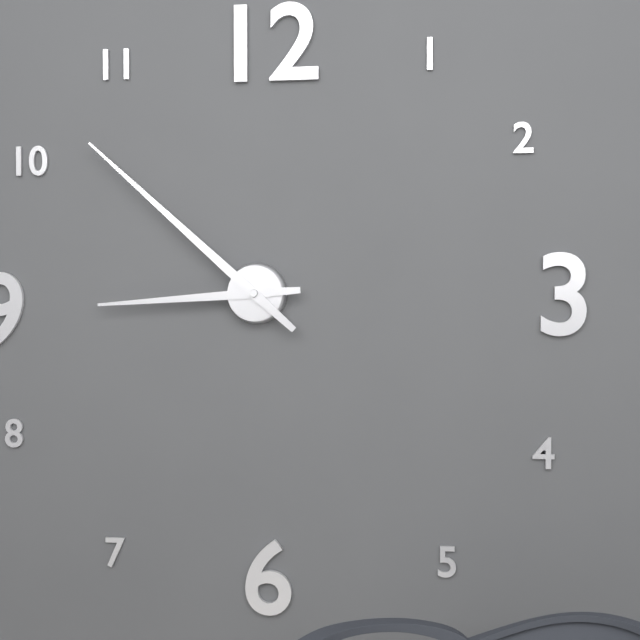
8.52
